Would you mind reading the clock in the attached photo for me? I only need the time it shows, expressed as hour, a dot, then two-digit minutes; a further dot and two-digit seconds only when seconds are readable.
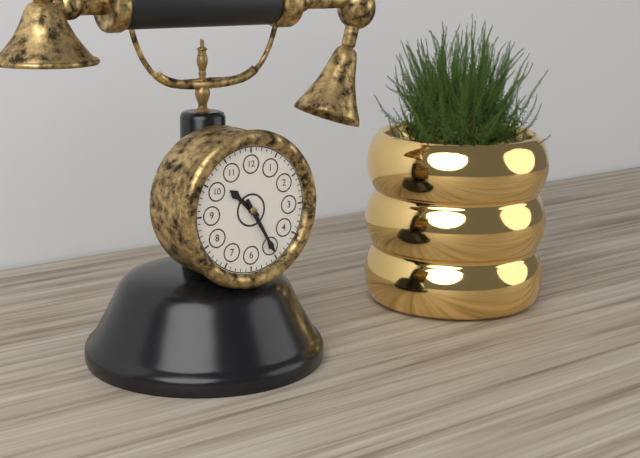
10.25
